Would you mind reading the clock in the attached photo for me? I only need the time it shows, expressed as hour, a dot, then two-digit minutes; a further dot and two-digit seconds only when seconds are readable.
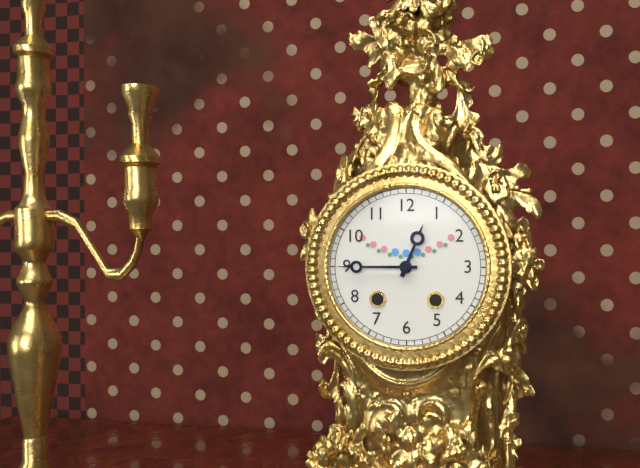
12.45
